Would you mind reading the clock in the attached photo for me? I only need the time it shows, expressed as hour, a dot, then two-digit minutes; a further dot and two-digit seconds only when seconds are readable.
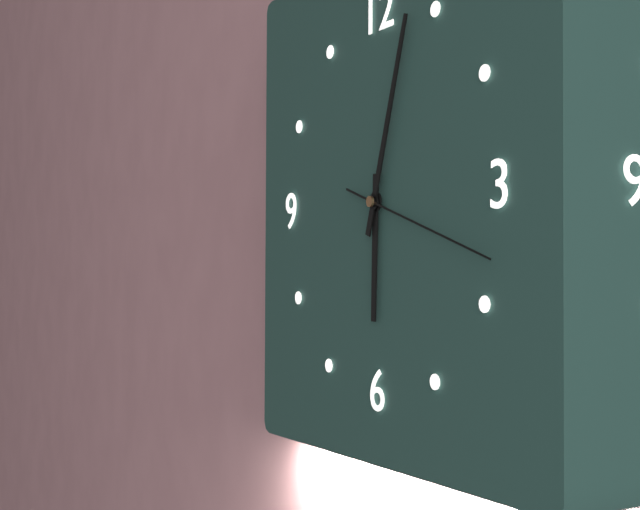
6.03.18
